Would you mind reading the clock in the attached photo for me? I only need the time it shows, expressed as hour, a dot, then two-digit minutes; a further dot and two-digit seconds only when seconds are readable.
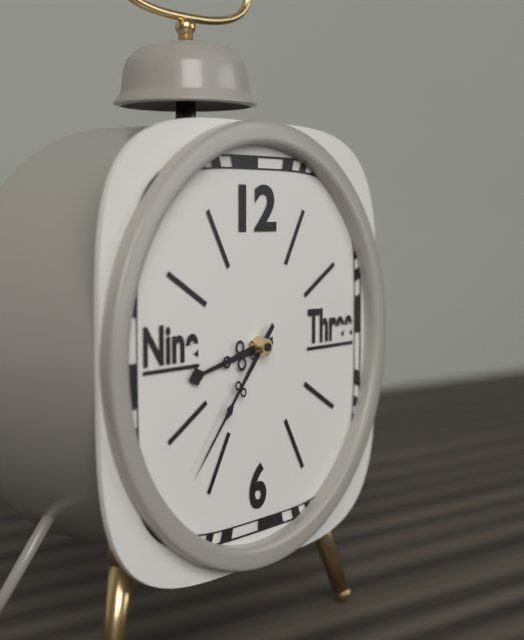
8.37
